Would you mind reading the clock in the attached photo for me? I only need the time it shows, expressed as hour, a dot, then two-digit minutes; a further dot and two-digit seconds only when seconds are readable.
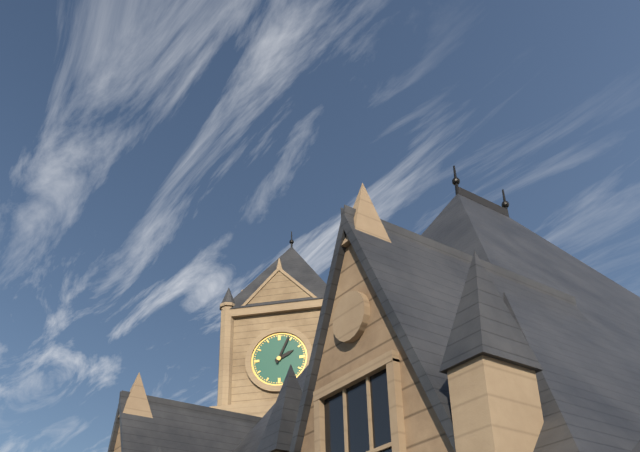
2.04
